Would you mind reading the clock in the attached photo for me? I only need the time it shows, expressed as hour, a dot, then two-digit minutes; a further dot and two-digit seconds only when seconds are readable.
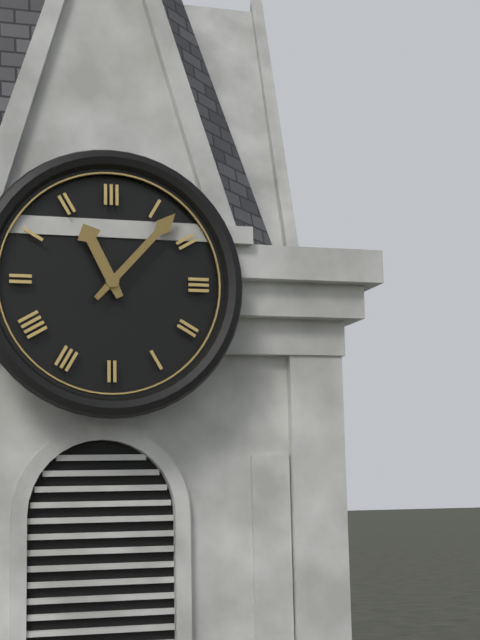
11.07
